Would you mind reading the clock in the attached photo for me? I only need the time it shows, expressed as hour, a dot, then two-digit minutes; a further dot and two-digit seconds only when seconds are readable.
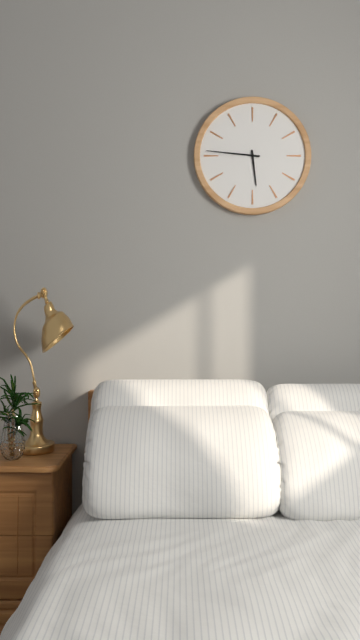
5.46
